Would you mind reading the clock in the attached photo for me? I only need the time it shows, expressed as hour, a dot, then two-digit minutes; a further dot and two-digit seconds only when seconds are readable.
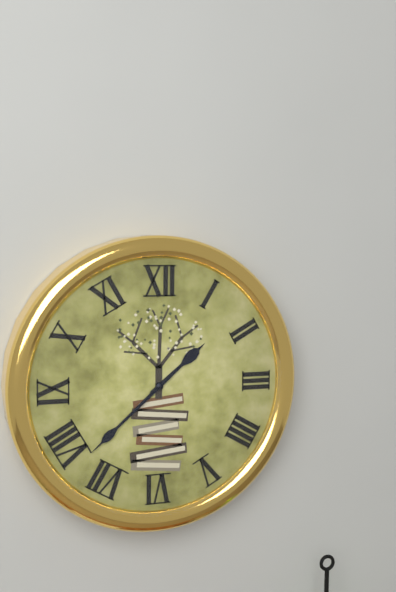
1.38
